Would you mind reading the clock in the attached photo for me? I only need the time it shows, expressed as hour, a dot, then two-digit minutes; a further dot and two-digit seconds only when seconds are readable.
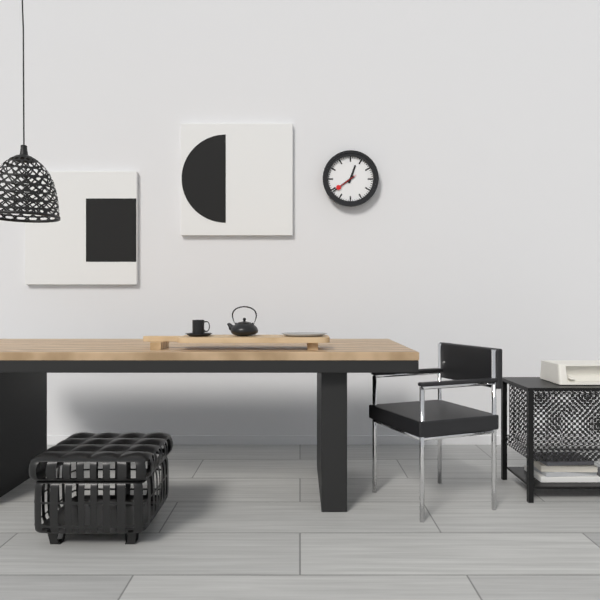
12.39
